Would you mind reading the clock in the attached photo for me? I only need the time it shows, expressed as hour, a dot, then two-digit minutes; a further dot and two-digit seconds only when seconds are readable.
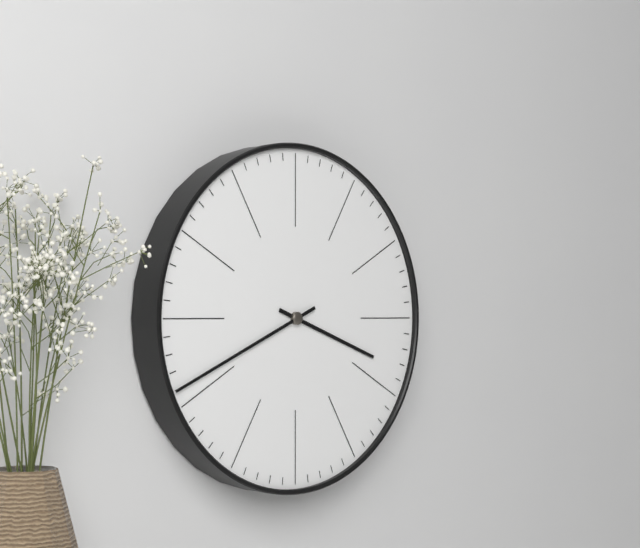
3.41
